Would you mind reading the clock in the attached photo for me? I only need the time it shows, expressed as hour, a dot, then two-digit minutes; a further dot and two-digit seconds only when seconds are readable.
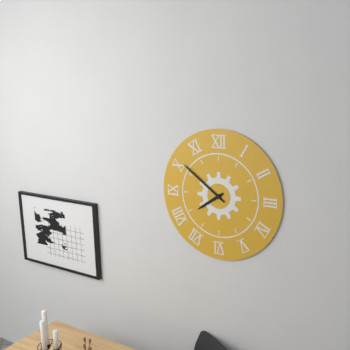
7.51
